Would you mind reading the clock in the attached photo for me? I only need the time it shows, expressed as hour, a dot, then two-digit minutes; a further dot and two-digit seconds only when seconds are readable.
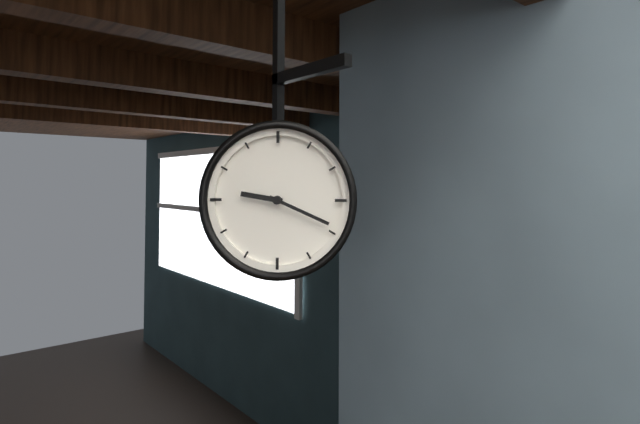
9.19
